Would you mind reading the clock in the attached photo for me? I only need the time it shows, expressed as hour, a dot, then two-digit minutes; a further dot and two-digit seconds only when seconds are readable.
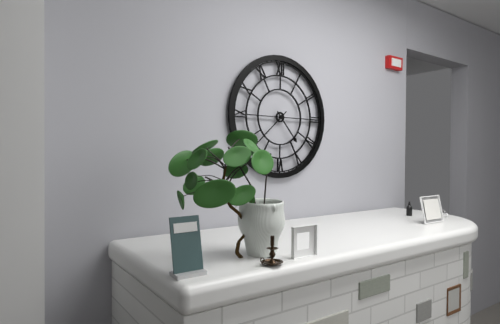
4.38
